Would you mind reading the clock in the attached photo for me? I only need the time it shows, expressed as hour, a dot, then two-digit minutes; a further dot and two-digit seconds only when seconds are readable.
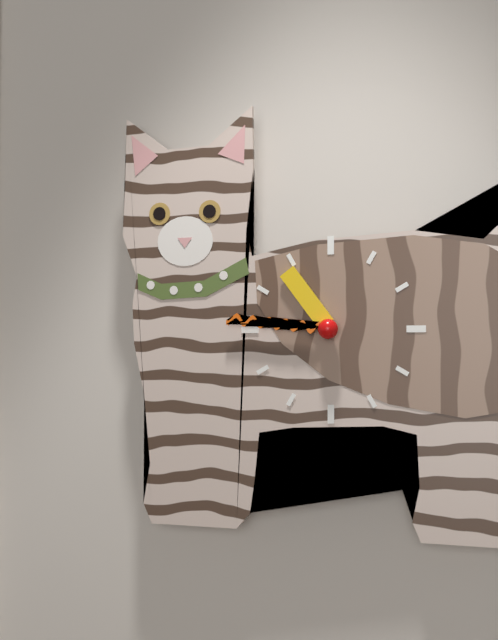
10.46
